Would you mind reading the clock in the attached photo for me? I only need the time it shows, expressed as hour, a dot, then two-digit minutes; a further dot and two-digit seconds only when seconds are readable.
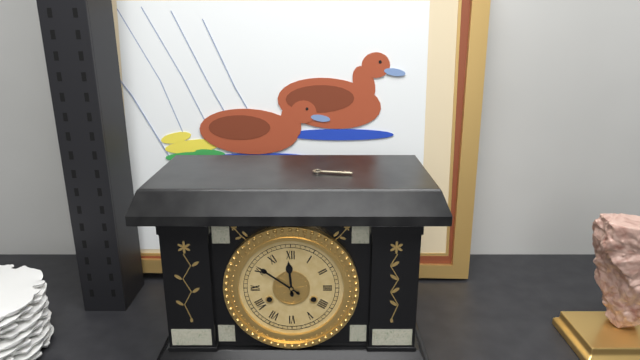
11.51
